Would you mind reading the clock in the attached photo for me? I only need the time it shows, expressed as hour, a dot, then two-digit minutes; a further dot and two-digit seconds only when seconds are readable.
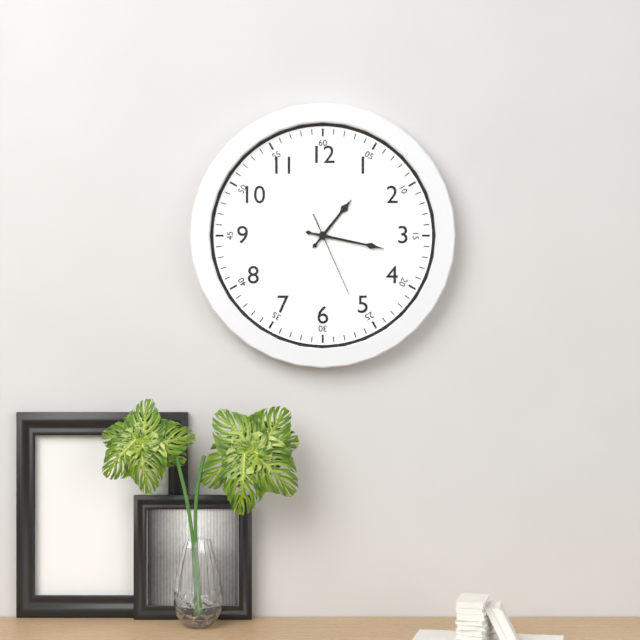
1.17.26
